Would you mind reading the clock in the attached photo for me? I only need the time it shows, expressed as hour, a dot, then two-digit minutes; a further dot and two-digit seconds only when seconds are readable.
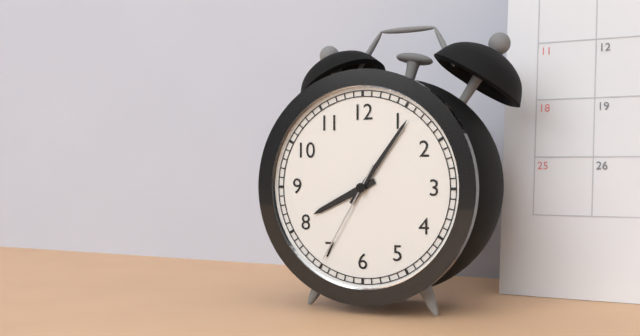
8.06.35
